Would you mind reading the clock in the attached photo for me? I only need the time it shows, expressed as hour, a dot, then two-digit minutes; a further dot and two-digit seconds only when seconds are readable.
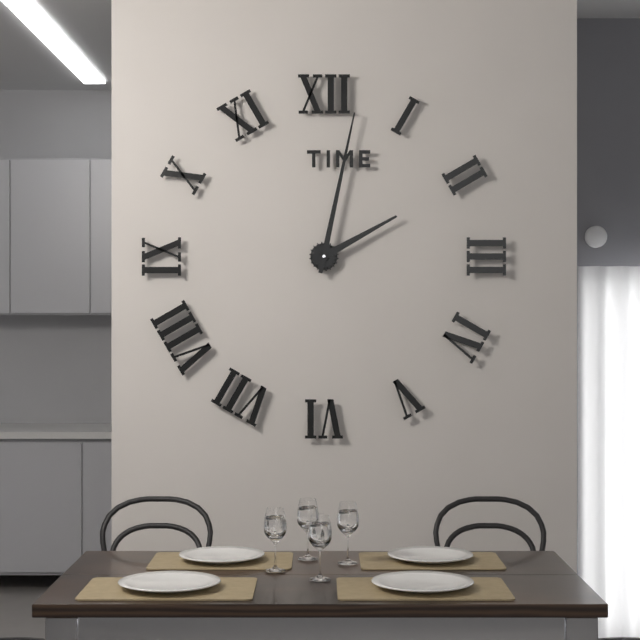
2.02
